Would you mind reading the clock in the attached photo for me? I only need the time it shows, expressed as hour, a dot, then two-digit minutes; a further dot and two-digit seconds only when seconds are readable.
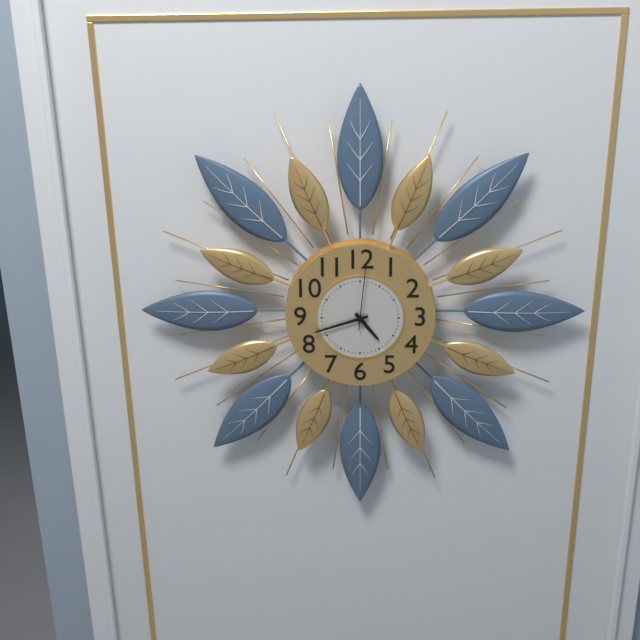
4.42.01
